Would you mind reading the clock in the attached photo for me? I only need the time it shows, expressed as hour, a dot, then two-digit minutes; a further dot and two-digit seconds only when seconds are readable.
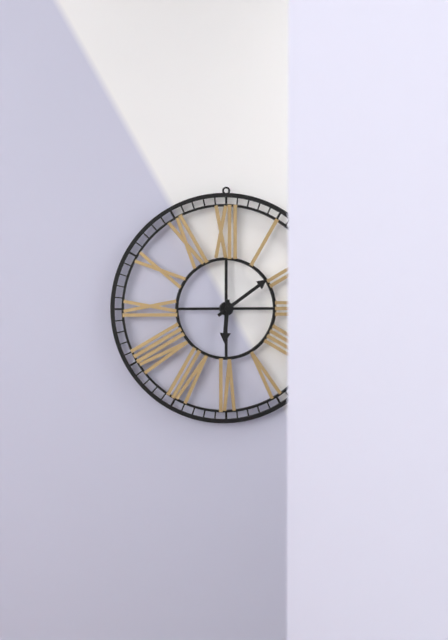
6.09
